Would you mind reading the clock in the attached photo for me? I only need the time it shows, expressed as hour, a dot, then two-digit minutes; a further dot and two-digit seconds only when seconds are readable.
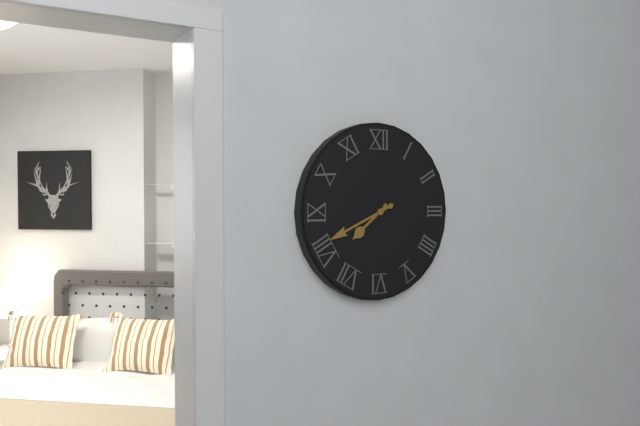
7.41
